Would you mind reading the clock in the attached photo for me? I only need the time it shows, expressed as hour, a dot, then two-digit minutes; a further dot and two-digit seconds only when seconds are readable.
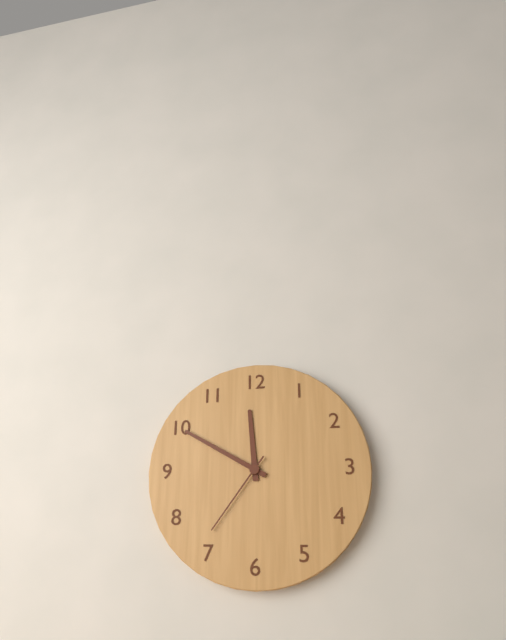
11.50.36
